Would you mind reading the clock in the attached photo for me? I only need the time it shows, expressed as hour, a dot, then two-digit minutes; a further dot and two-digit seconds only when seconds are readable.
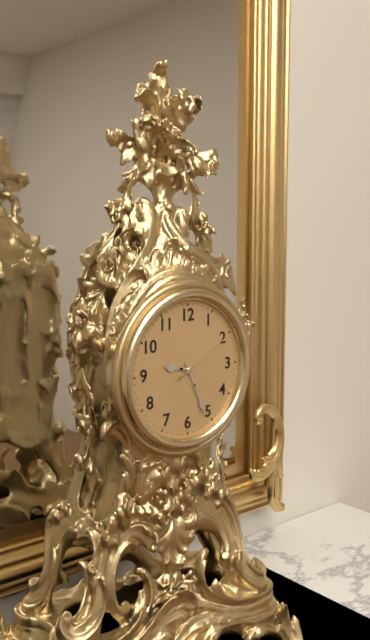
9.26.10
